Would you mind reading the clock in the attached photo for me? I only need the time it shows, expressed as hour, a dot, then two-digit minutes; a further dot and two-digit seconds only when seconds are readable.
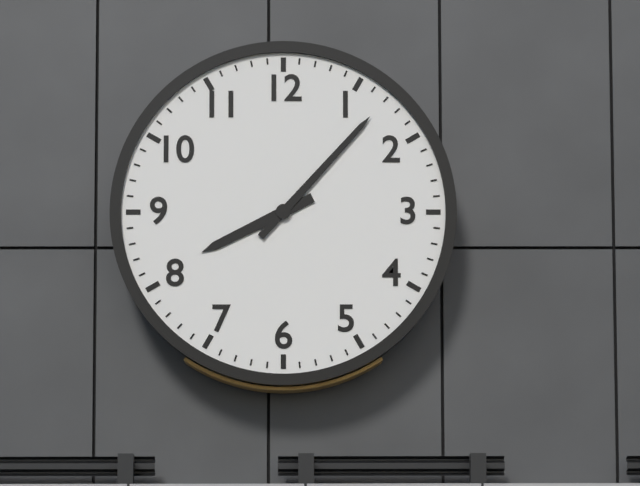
8.07
